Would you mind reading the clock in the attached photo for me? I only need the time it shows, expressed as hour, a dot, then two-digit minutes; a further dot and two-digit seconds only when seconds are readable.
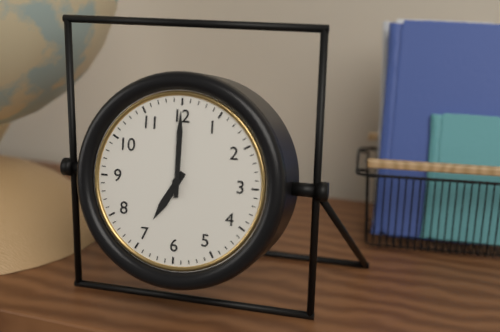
7.00
